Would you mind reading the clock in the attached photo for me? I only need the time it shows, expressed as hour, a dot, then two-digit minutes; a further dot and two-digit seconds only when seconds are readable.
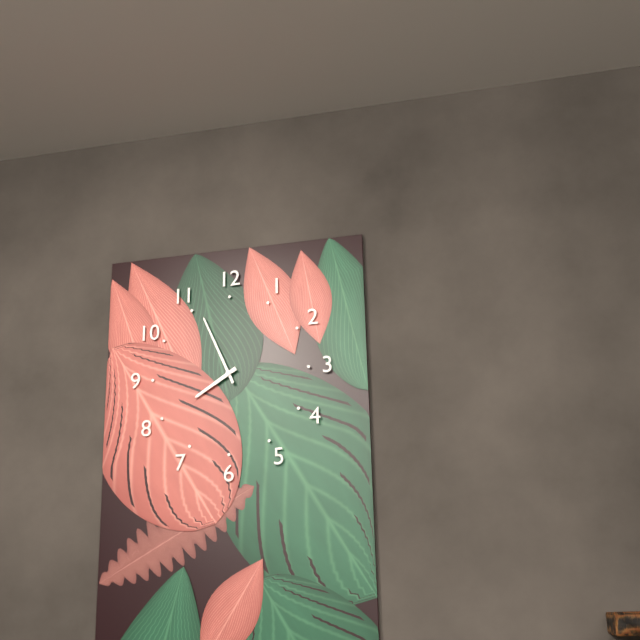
7.56
